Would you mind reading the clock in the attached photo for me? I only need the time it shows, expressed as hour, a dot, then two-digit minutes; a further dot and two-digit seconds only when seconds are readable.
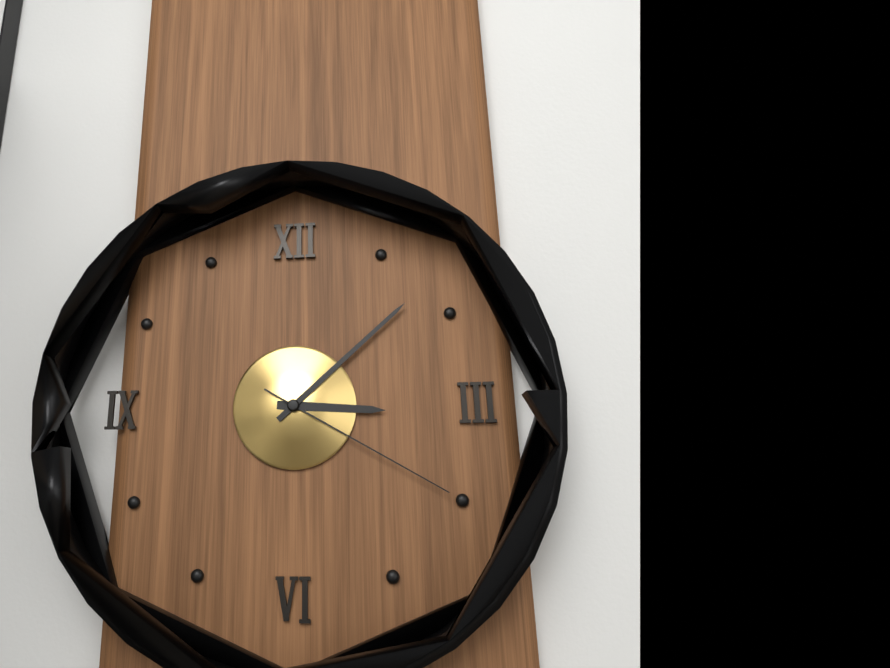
3.08.20
